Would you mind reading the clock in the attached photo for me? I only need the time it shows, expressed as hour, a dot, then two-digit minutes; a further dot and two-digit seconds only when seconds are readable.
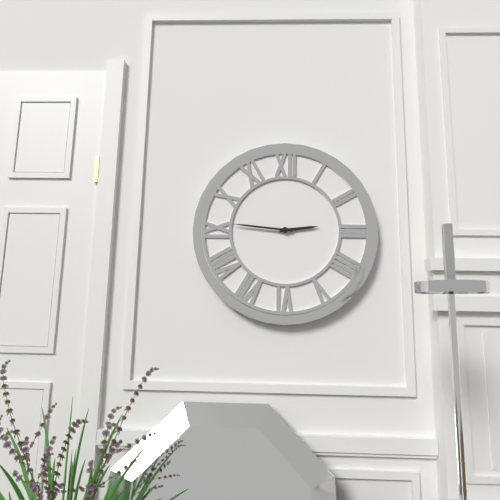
2.46
